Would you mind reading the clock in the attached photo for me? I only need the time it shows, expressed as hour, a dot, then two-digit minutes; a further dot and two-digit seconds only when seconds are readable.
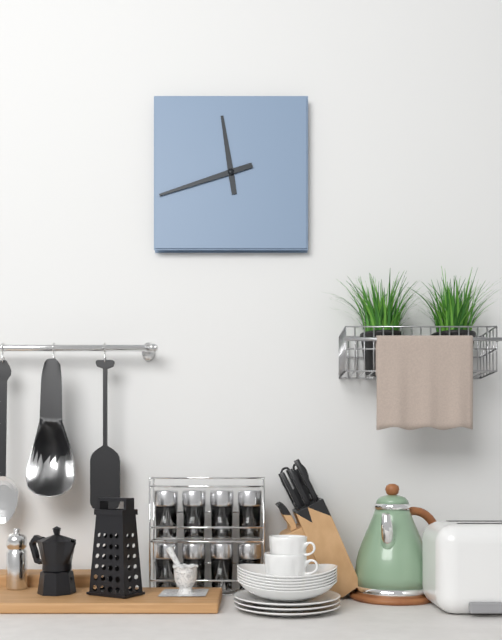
11.42
